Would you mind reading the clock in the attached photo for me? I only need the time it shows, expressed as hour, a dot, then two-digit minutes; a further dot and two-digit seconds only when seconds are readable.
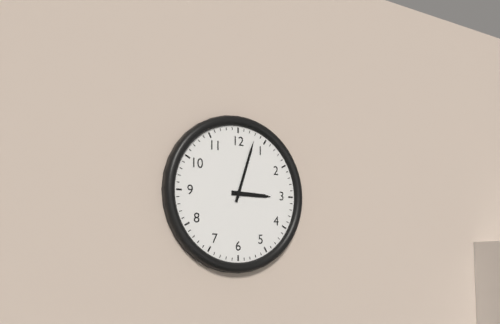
3.03
